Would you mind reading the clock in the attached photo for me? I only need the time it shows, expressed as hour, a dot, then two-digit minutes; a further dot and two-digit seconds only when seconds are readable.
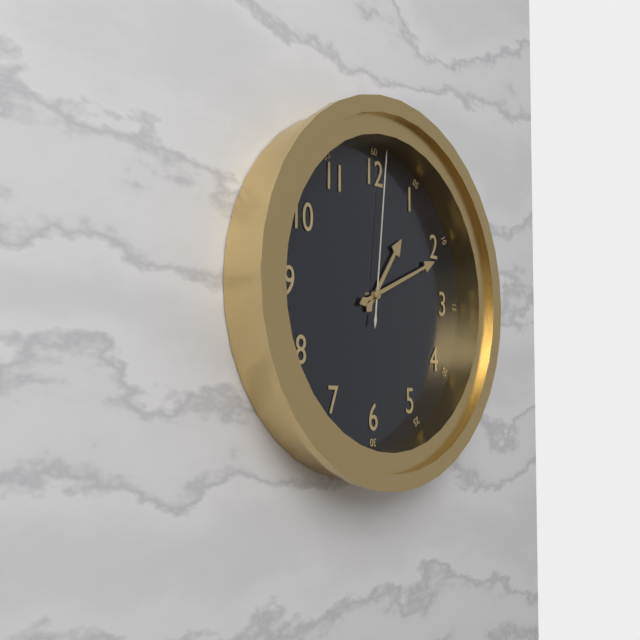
1.11.01
